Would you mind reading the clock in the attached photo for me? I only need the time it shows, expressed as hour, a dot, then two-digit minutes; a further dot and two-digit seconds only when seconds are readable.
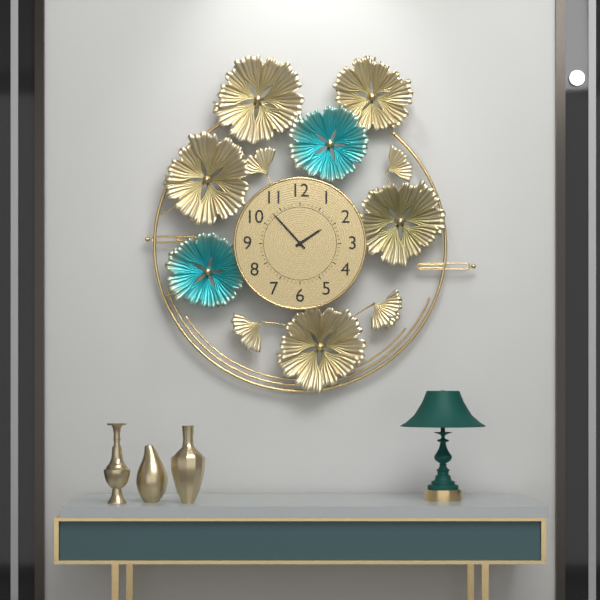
1.53
